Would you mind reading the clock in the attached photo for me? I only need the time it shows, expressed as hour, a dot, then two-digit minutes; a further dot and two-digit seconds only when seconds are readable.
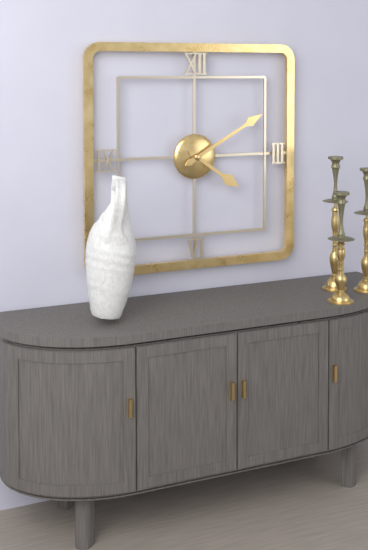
4.10
